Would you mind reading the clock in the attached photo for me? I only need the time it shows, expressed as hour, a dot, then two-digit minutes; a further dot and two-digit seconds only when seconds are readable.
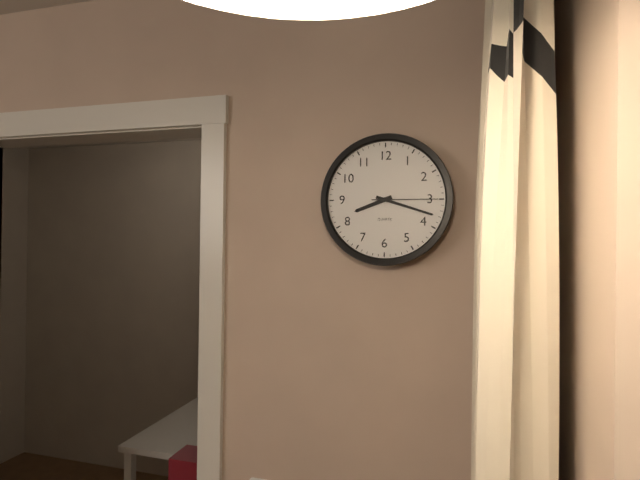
8.18.15
